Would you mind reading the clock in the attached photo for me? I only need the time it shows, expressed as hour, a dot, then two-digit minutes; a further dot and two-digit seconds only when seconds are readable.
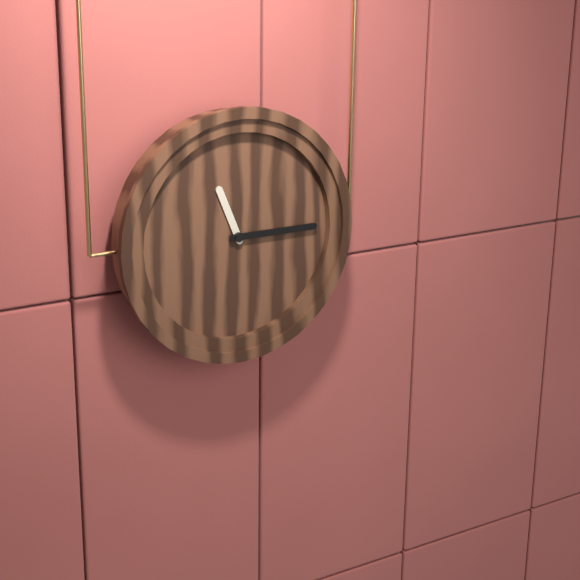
11.15
